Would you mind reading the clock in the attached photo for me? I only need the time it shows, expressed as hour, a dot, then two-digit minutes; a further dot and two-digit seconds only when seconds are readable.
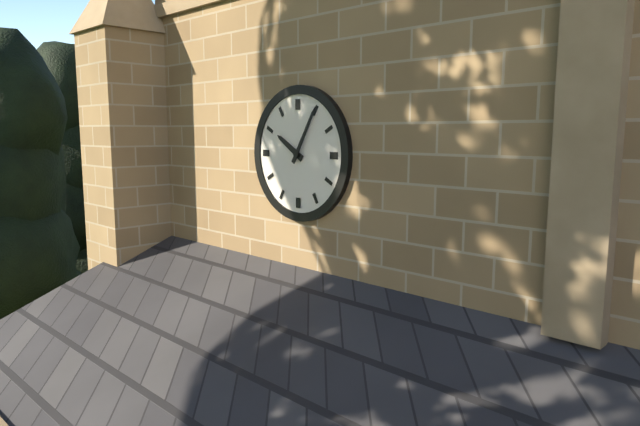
10.05
